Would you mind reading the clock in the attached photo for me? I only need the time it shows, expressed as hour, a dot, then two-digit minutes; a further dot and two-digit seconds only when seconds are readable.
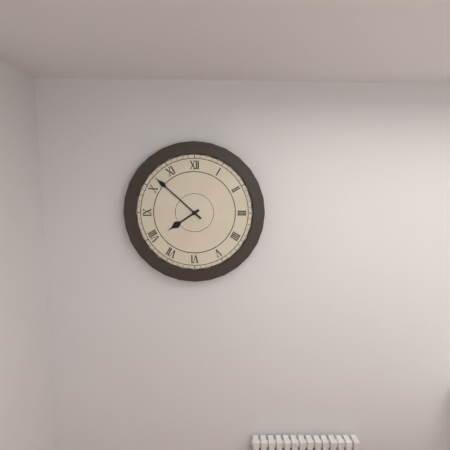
7.52
